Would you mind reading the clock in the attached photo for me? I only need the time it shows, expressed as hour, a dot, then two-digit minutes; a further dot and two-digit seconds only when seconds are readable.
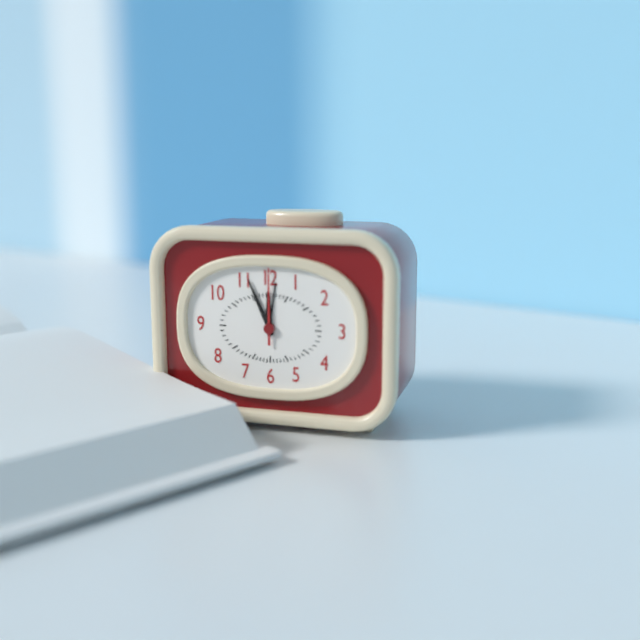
11.56.00
